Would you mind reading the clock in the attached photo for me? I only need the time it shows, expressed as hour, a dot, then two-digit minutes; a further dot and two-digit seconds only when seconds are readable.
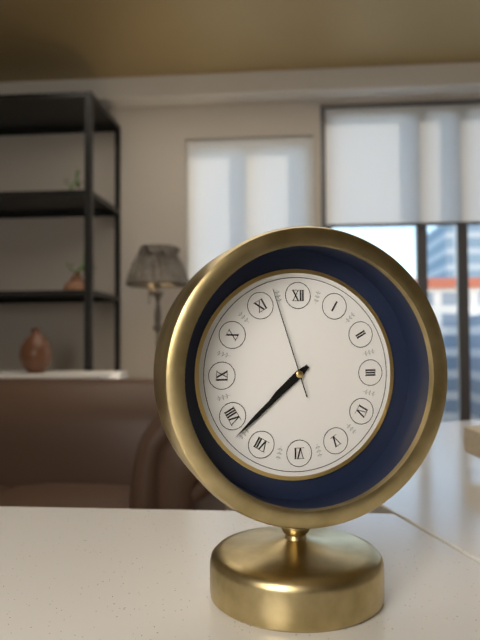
7.38.57
